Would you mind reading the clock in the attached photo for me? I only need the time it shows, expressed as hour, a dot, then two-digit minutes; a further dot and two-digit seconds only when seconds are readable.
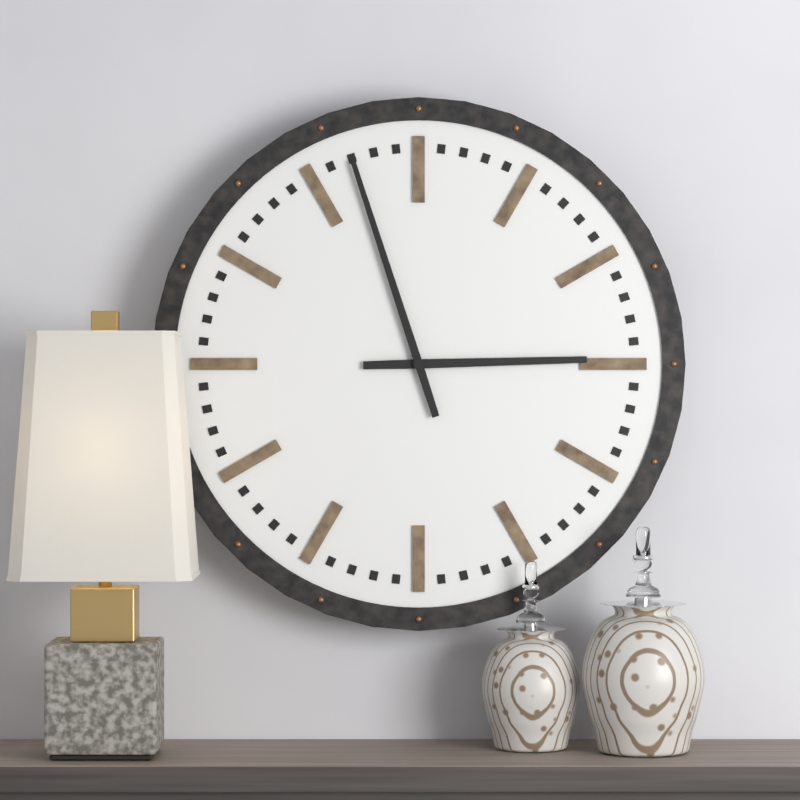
2.57
